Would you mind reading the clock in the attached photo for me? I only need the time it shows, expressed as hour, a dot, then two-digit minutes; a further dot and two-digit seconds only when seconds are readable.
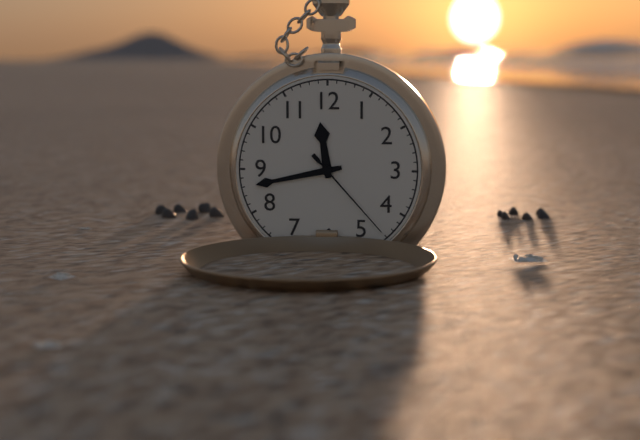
11.43.23
